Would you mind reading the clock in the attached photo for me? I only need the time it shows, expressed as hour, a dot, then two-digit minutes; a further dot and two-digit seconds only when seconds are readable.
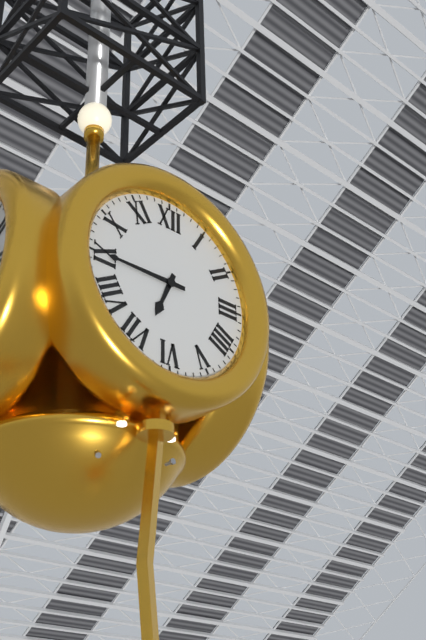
6.45
